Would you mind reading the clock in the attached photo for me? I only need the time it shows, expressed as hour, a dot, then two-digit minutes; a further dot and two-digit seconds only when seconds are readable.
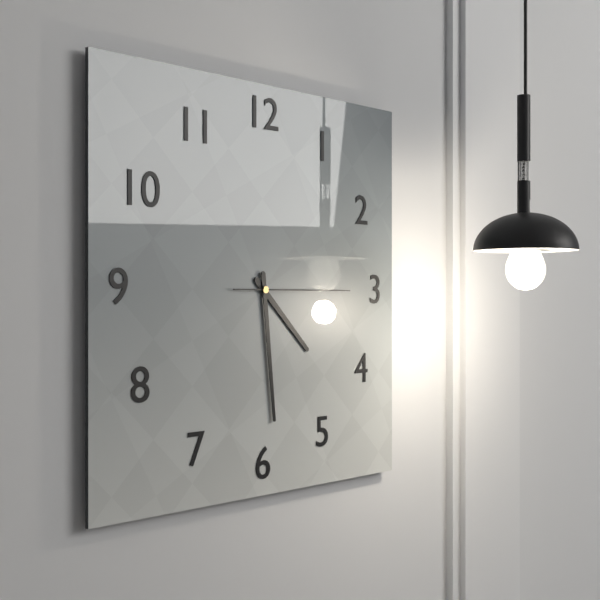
4.29.15
